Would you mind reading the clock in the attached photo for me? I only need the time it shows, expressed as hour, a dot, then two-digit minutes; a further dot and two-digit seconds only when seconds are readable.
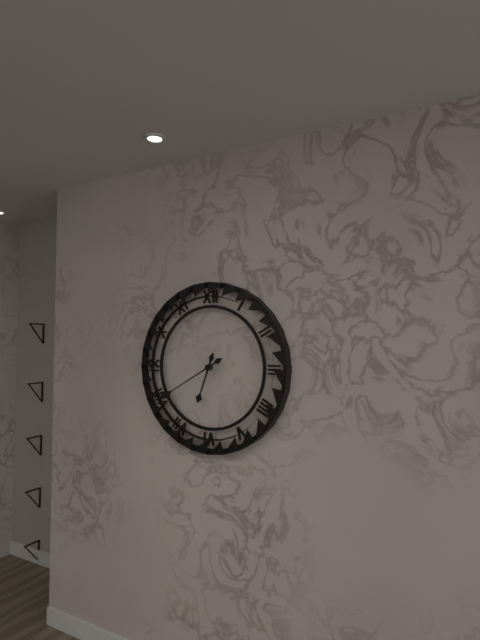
6.40
